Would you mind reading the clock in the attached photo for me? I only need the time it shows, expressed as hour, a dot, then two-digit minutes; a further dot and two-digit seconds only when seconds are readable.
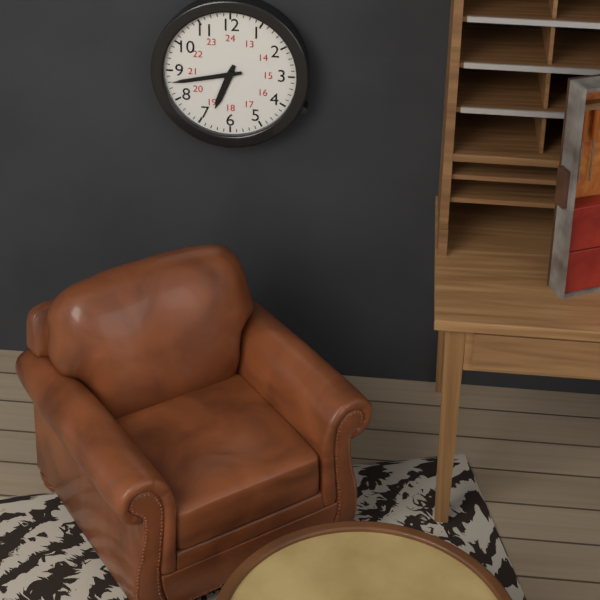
6.43
